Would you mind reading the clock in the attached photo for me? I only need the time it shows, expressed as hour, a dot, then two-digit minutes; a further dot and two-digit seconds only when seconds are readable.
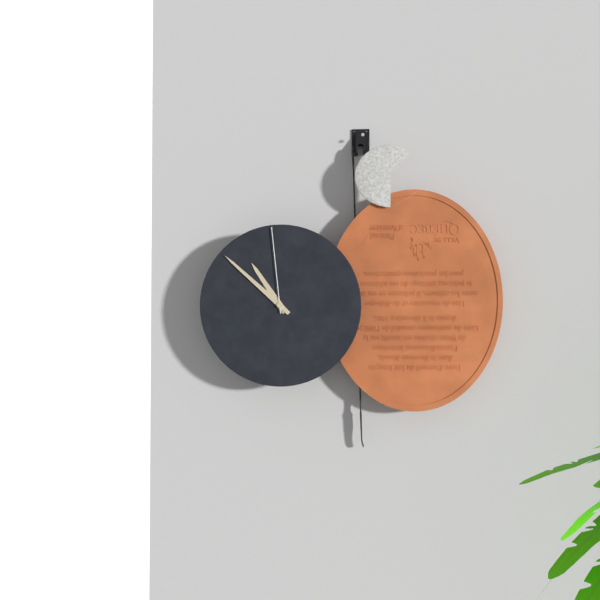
10.52.59
